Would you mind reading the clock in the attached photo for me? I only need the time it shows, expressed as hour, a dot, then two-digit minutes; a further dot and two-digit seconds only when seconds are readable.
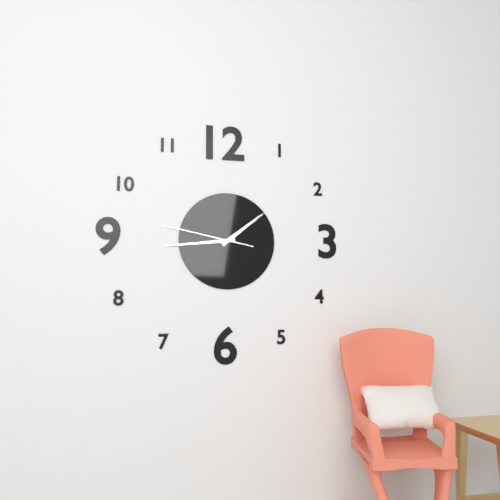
1.44.47
